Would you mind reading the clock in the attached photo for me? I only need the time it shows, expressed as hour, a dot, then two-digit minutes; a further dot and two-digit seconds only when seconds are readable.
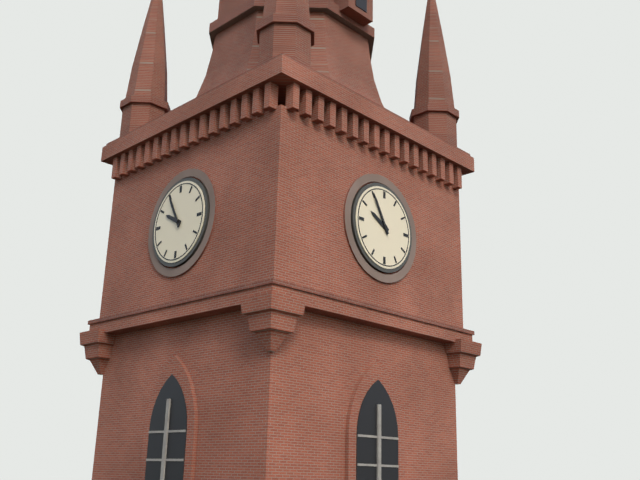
9.55
